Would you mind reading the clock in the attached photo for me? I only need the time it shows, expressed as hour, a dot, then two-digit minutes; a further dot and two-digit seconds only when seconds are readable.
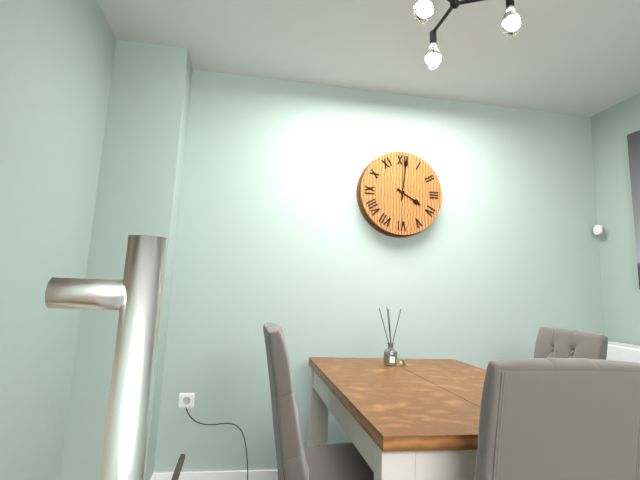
4.01
